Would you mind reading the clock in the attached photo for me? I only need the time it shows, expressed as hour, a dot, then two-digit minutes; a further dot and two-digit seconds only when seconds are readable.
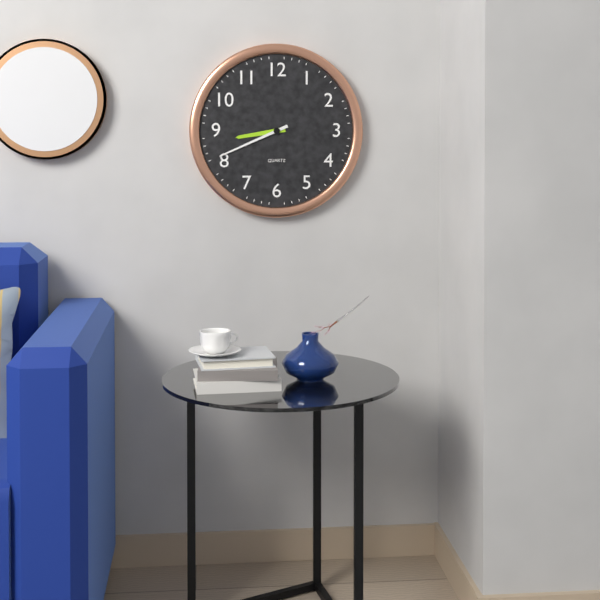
8.41
